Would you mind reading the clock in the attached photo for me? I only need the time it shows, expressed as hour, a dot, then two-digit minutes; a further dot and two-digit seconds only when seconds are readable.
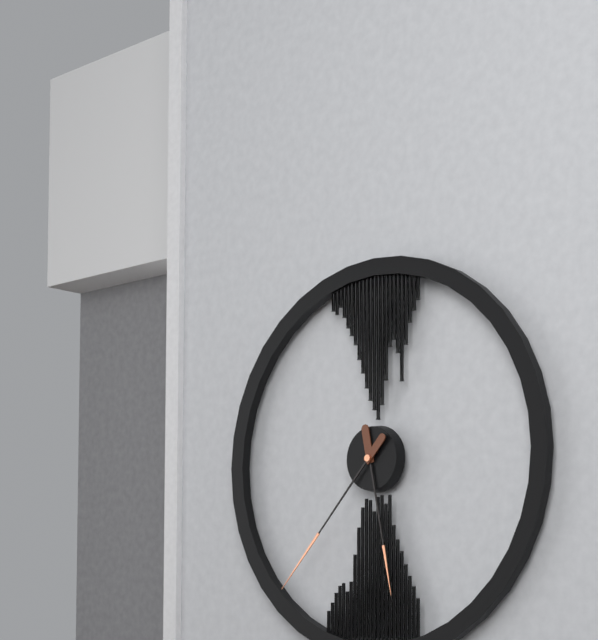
5.37
